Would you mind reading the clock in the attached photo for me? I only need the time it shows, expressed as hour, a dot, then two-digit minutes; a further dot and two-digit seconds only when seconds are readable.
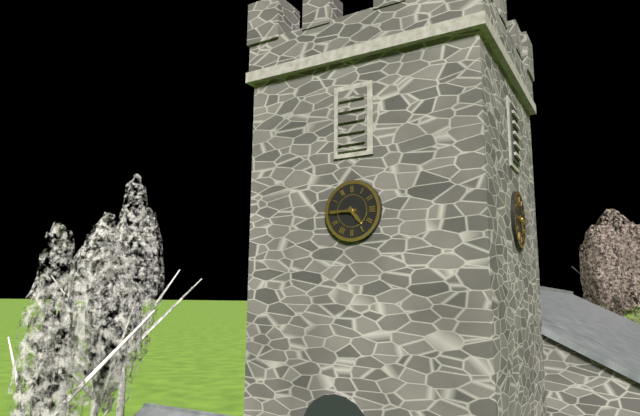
4.45
